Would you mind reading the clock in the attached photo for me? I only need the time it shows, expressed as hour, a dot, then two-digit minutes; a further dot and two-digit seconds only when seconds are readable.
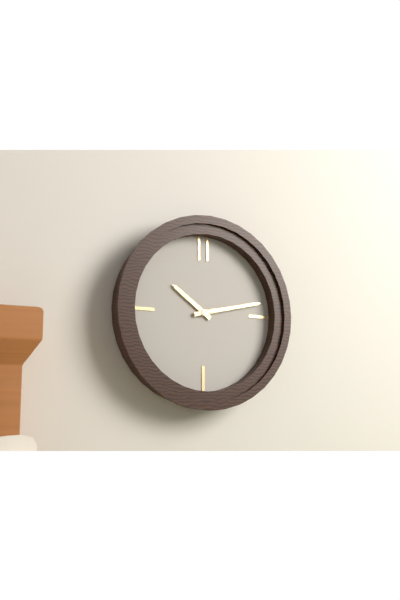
10.13
